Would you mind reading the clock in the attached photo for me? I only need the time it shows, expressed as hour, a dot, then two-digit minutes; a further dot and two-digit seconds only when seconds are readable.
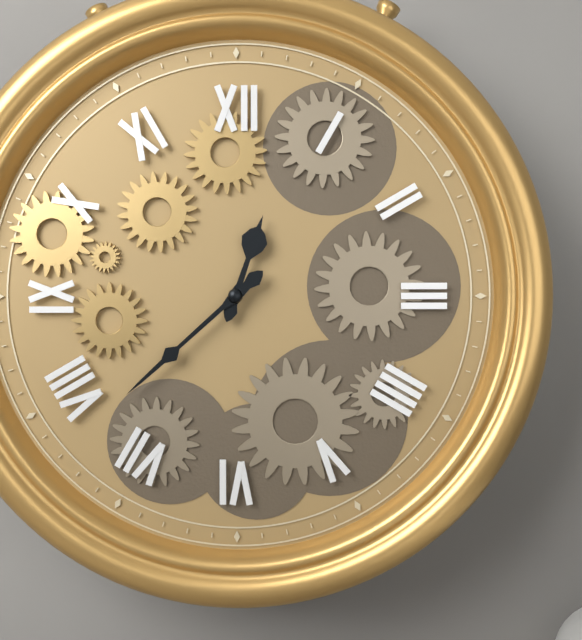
12.38
